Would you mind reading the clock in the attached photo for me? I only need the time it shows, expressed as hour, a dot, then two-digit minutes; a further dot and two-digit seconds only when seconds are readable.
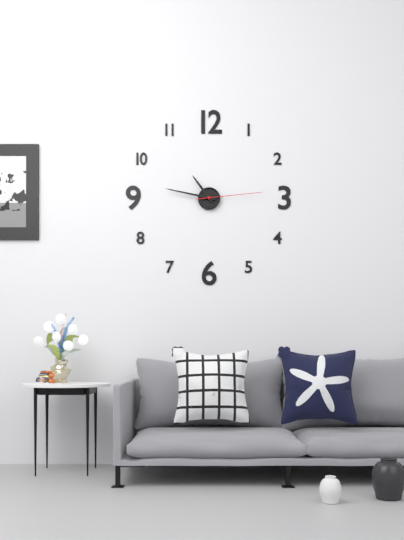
10.47.14
